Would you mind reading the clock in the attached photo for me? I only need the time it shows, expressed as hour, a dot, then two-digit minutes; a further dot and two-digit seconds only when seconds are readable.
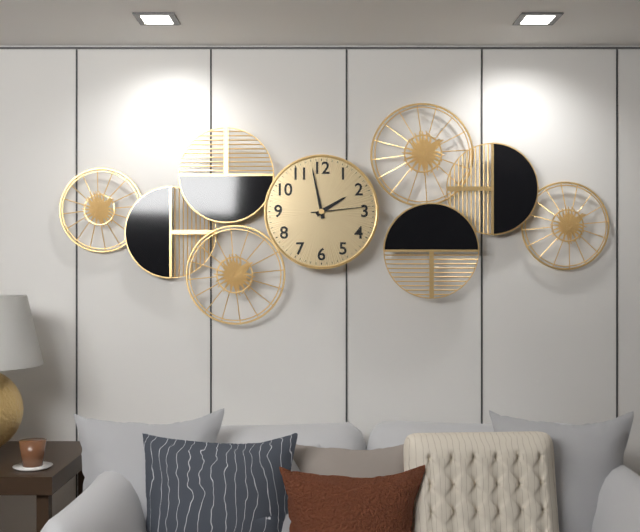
1.58.14
